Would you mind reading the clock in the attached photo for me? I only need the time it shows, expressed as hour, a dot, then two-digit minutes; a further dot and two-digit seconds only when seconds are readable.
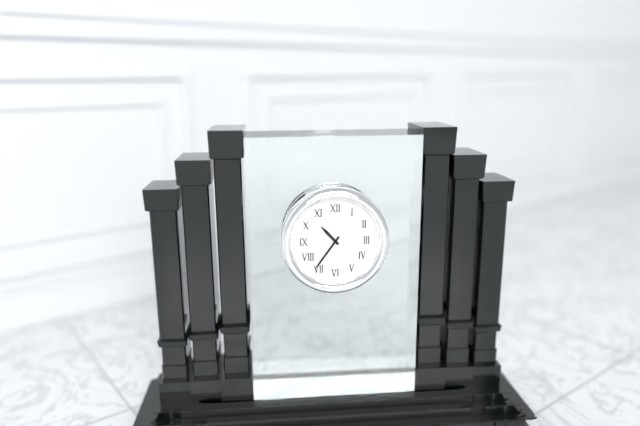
10.36
